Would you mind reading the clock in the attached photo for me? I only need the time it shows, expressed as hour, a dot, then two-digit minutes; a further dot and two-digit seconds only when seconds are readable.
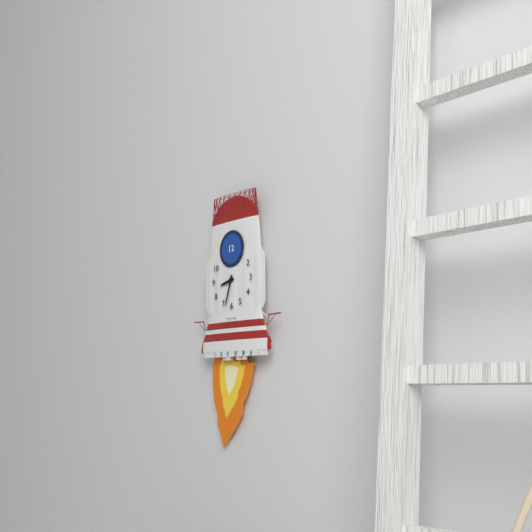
8.33
